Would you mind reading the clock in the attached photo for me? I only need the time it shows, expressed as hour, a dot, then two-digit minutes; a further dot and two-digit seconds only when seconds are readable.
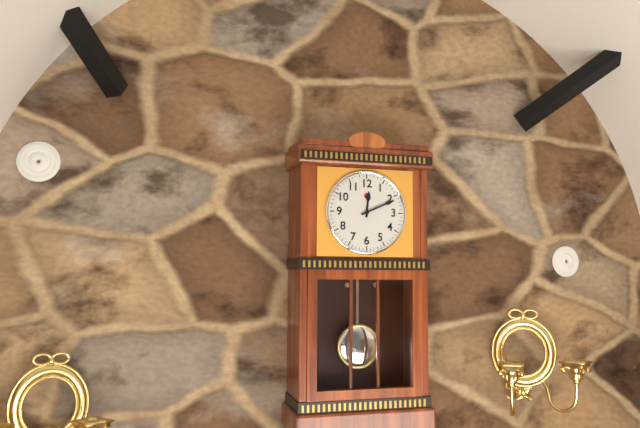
12.11
